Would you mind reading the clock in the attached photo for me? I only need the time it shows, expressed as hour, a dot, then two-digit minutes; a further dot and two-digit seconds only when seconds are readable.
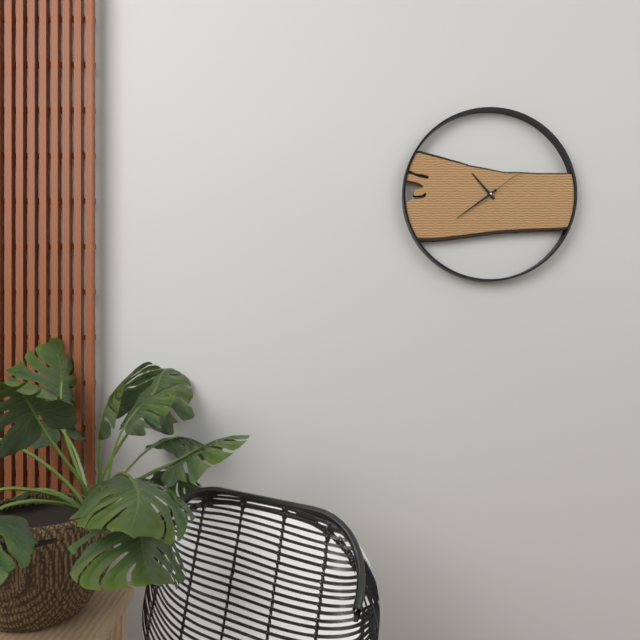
10.39
